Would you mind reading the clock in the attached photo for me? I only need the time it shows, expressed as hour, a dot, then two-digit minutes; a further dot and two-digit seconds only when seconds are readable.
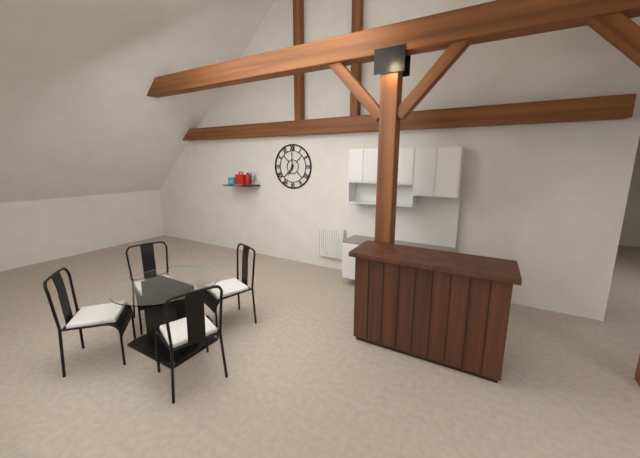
7.00
